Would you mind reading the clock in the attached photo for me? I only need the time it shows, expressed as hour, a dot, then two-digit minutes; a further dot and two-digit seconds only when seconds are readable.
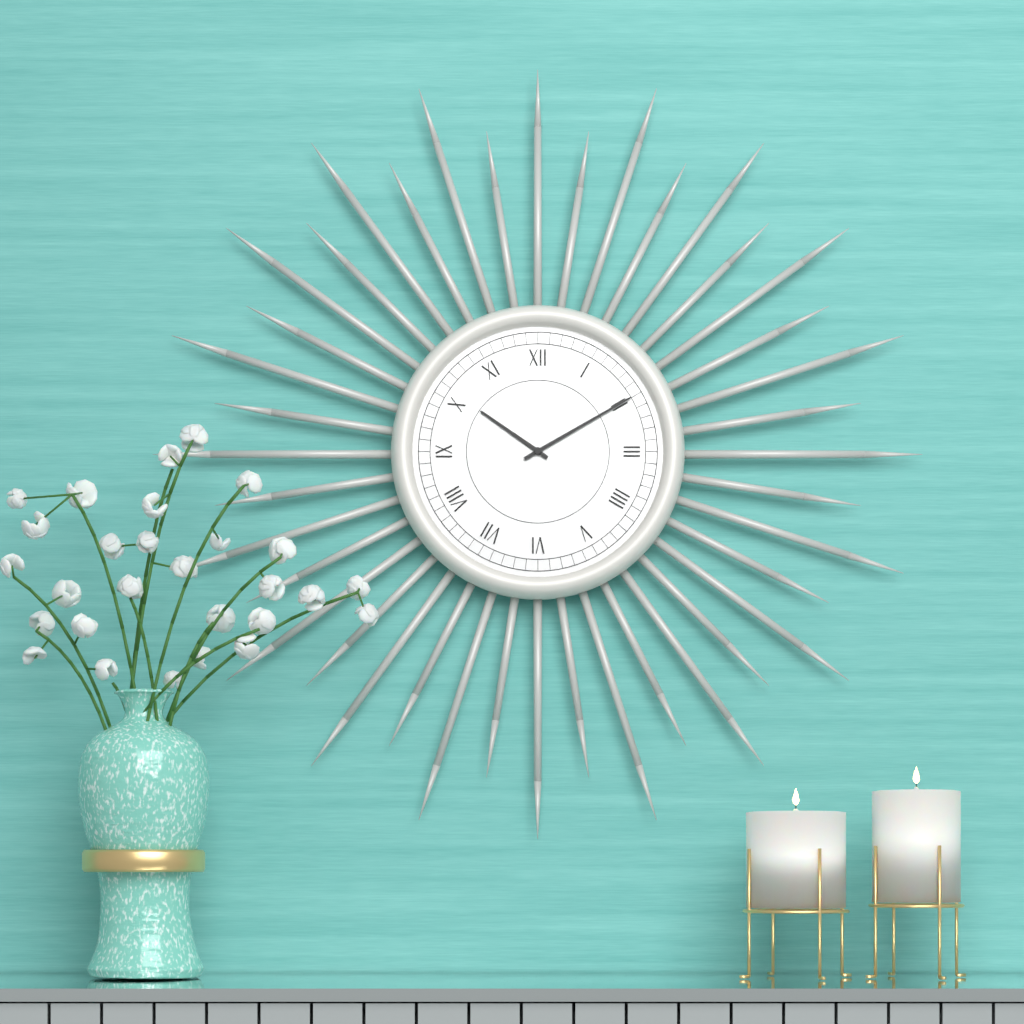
10.10
